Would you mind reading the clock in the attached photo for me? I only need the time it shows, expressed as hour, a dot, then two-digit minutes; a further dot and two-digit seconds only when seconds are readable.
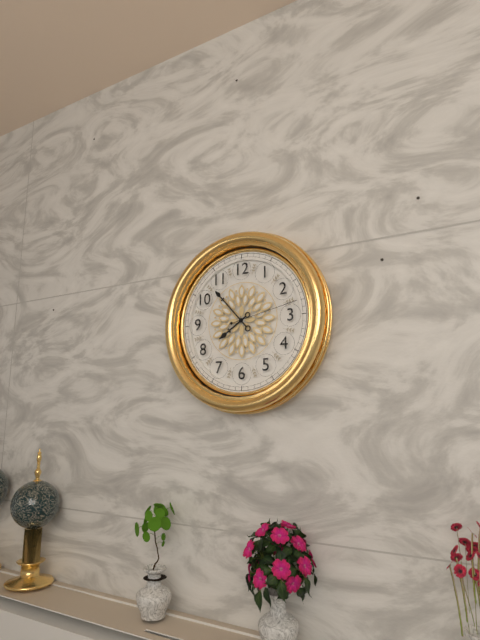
7.53.13
